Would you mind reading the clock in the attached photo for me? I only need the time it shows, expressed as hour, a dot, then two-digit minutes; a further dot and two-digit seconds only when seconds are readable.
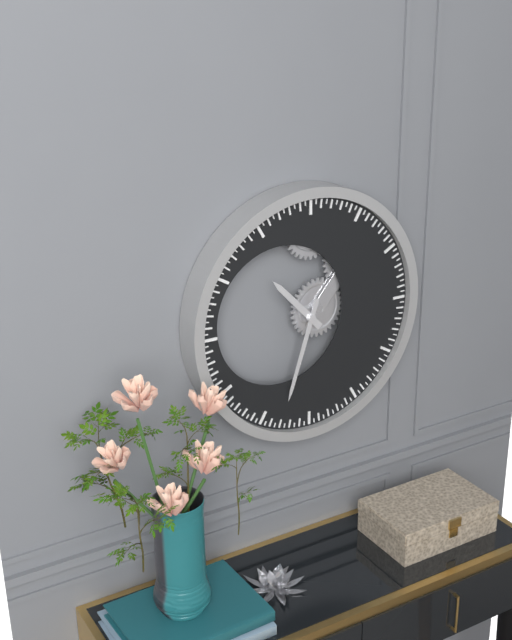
10.33
